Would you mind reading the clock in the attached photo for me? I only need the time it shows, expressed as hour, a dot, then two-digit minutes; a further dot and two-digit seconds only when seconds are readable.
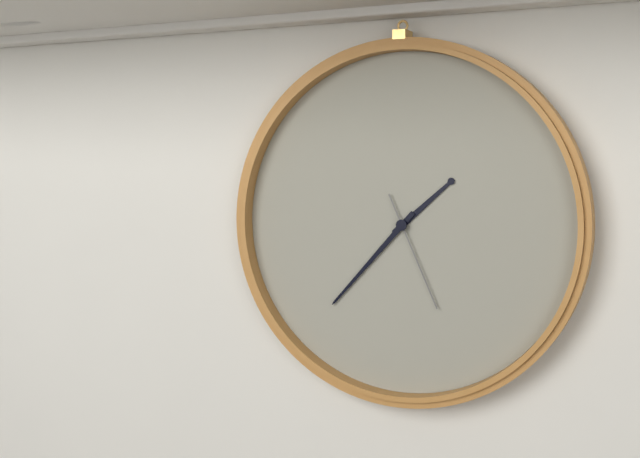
1.37.26
